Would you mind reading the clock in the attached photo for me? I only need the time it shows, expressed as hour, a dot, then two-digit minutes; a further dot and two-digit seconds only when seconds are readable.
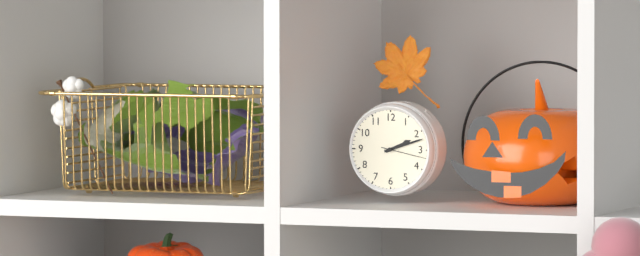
2.12
